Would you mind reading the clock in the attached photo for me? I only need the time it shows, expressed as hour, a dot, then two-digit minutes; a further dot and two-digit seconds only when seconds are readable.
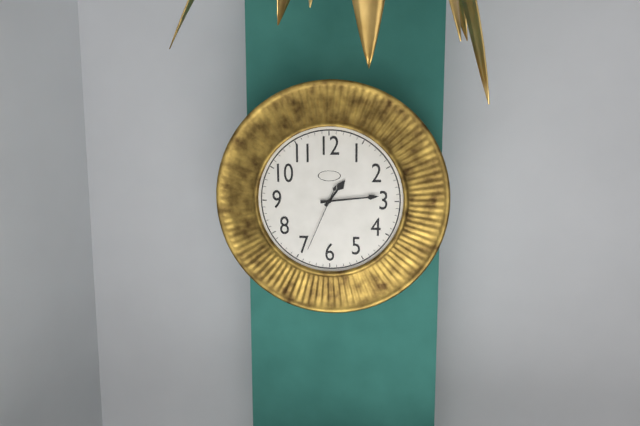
1.14.34
